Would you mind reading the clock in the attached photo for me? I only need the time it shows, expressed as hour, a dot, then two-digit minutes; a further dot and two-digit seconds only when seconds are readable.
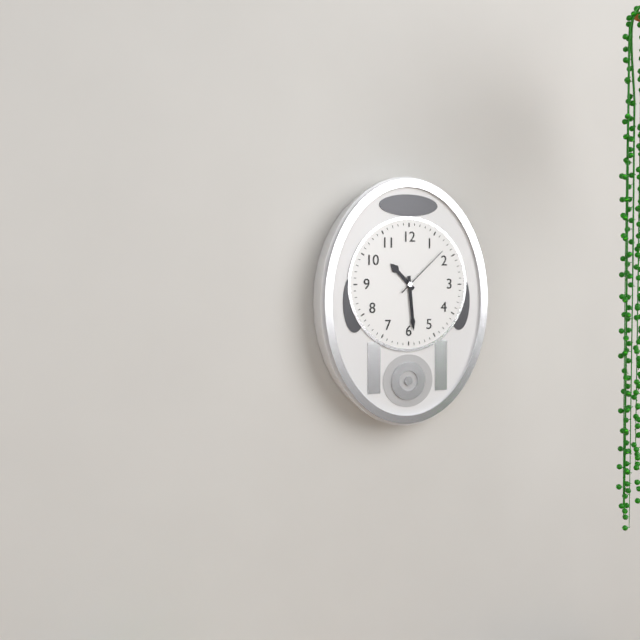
10.29.08
